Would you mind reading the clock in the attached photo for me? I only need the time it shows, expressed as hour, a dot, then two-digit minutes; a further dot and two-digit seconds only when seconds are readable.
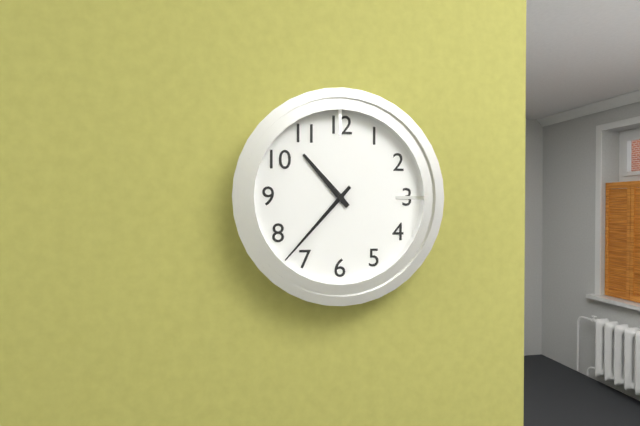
10.37
